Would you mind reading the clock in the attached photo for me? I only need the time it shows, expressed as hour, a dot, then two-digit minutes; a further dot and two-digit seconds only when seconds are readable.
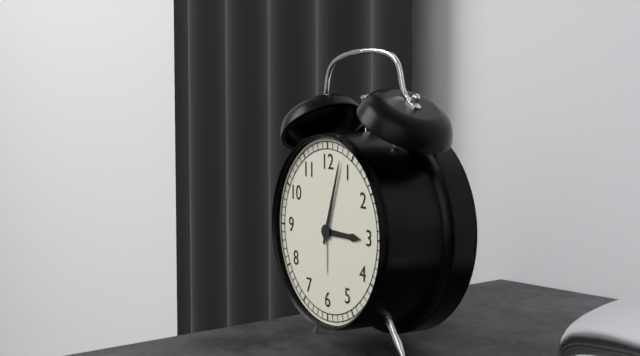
3.03
